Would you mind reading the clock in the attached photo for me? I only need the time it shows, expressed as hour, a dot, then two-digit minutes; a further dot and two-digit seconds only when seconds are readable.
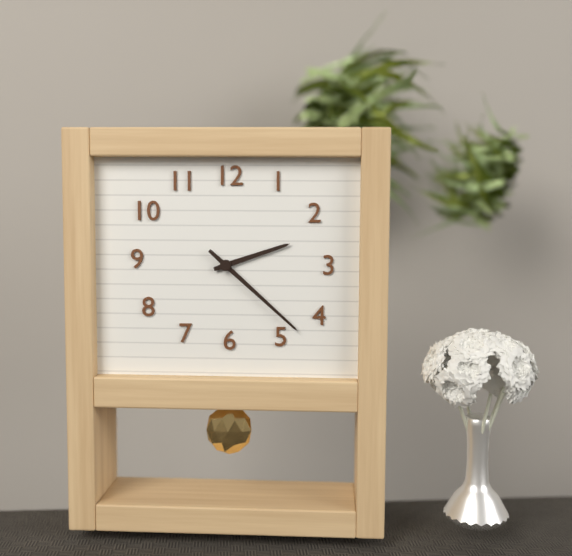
2.22
